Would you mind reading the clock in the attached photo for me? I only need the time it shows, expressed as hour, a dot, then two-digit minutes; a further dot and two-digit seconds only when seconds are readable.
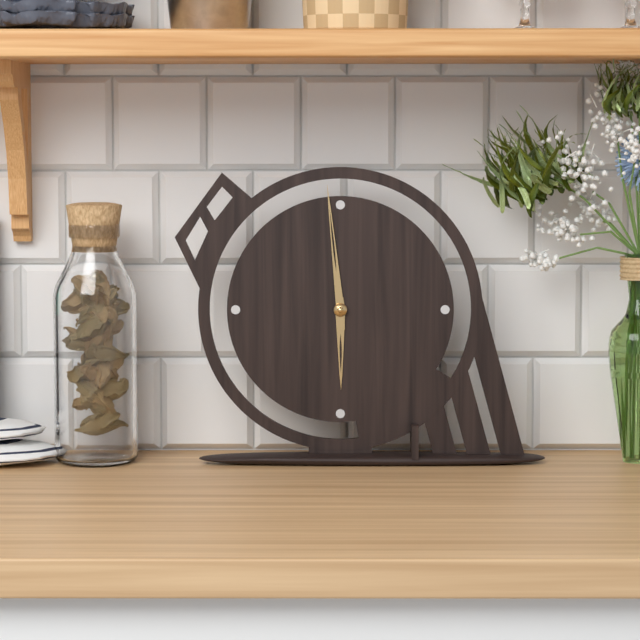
5.59
